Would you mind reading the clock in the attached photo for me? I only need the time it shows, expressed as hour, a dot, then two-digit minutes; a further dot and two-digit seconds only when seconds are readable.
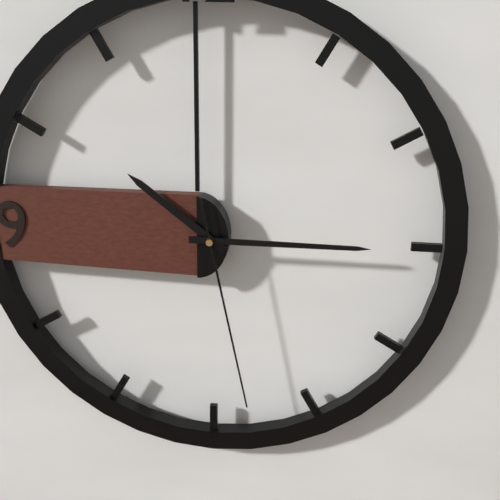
10.15.28
